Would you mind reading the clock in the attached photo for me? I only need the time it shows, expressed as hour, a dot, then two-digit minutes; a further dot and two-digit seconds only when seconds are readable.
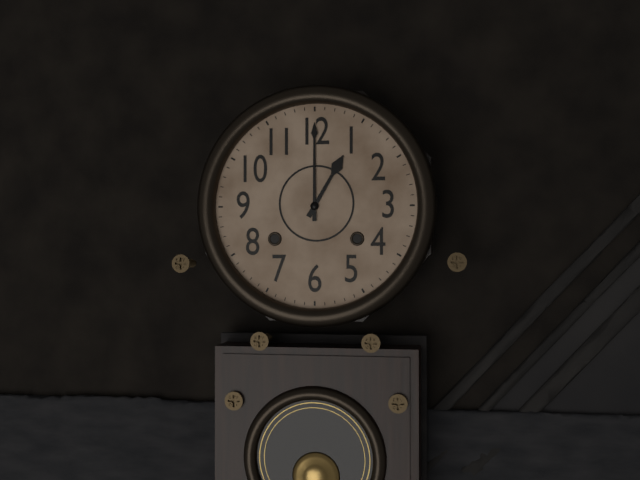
1.00
